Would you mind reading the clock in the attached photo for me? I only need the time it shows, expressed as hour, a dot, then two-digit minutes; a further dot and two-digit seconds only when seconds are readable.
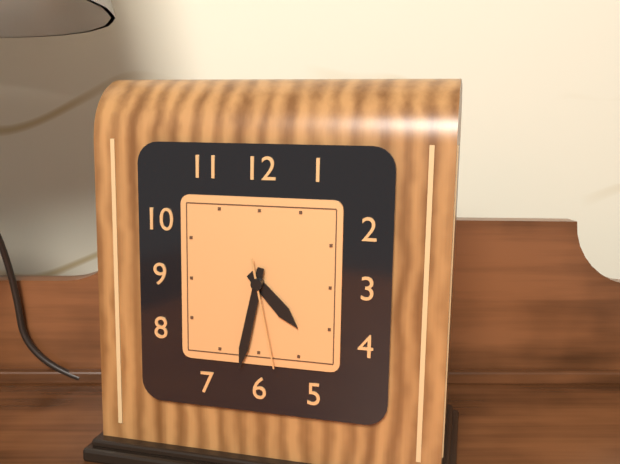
4.32.28
